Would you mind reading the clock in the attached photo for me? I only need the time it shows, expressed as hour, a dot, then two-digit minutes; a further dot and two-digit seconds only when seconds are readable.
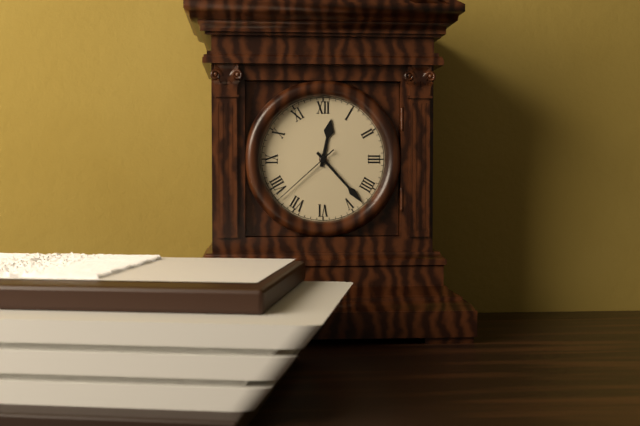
12.23.38
